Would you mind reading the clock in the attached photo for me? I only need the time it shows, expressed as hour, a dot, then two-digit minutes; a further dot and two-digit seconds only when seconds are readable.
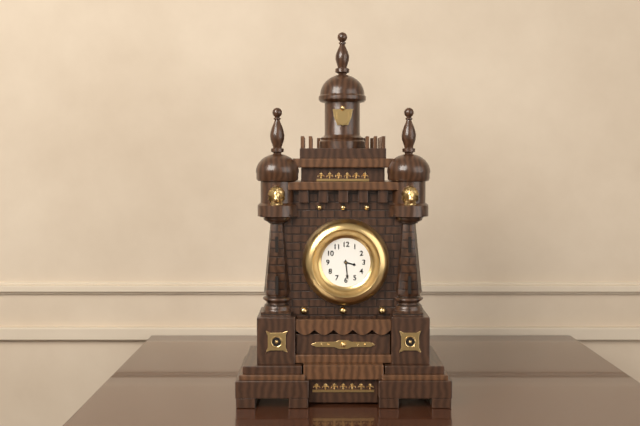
3.29
